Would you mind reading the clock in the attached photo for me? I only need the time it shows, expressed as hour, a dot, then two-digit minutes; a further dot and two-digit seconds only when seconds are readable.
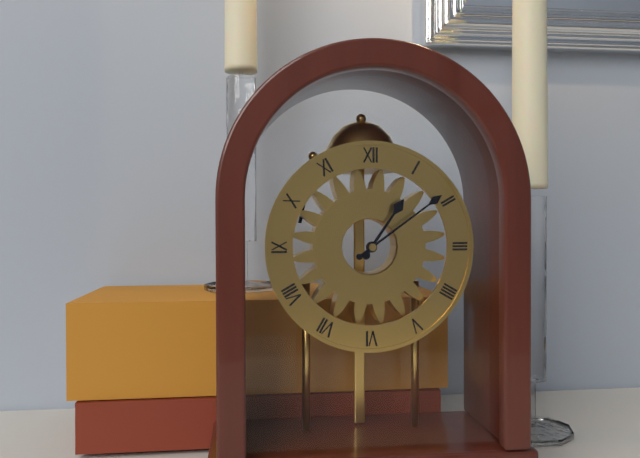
1.09
